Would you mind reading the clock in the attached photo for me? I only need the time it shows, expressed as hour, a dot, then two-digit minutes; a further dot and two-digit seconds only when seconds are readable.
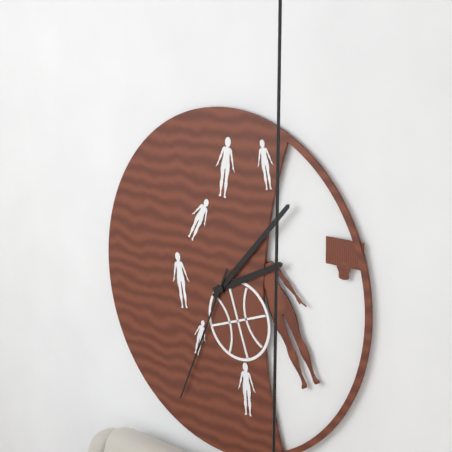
2.07.34
